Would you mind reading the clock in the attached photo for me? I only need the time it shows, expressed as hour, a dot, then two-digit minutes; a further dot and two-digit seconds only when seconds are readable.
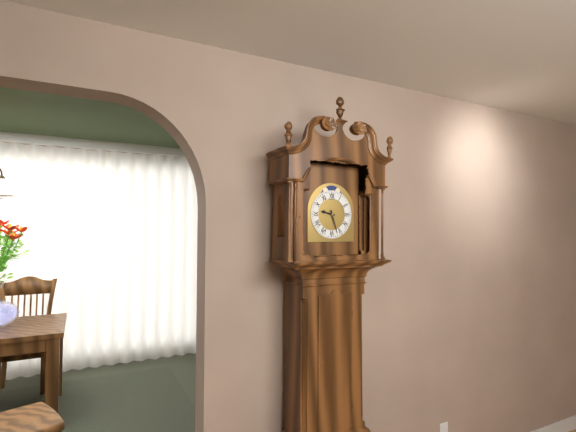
9.27
